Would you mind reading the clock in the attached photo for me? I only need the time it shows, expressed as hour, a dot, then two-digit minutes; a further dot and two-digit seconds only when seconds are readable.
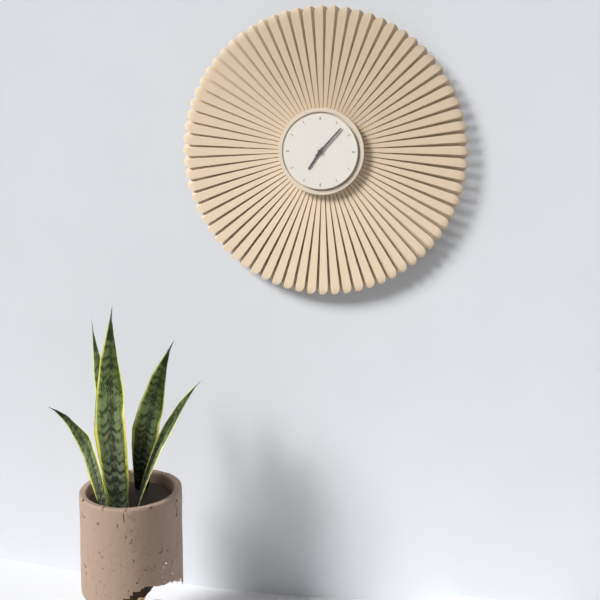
7.07
